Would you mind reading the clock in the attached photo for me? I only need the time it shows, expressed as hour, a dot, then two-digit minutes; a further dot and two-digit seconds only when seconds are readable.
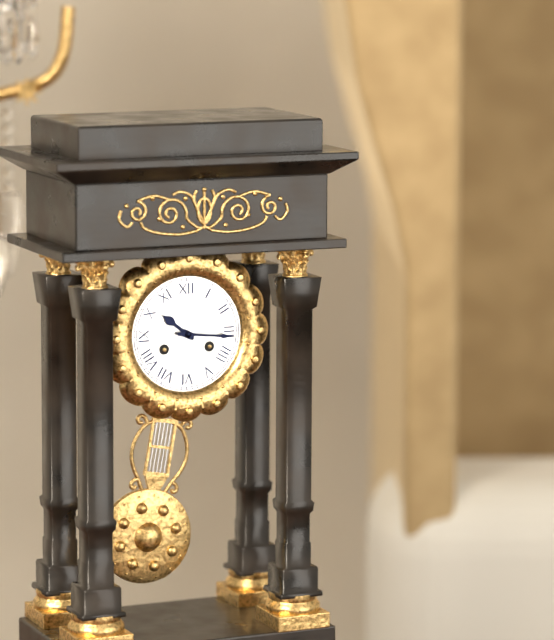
10.16
